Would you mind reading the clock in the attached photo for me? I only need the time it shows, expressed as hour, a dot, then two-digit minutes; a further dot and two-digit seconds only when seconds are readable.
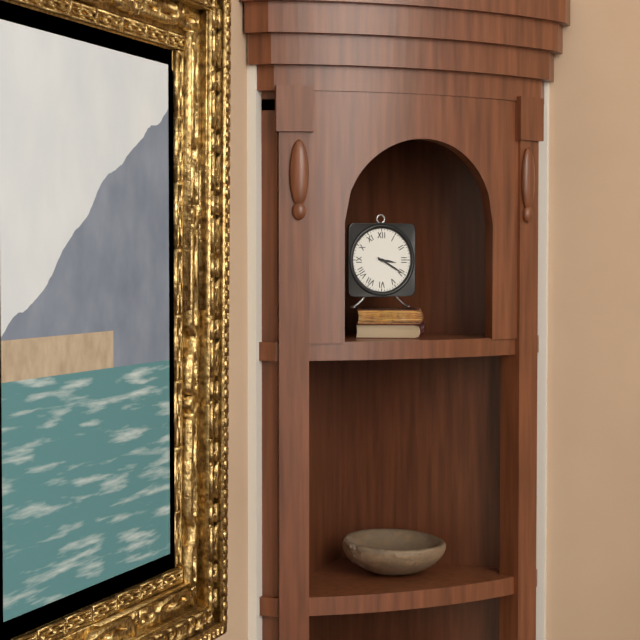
3.20
